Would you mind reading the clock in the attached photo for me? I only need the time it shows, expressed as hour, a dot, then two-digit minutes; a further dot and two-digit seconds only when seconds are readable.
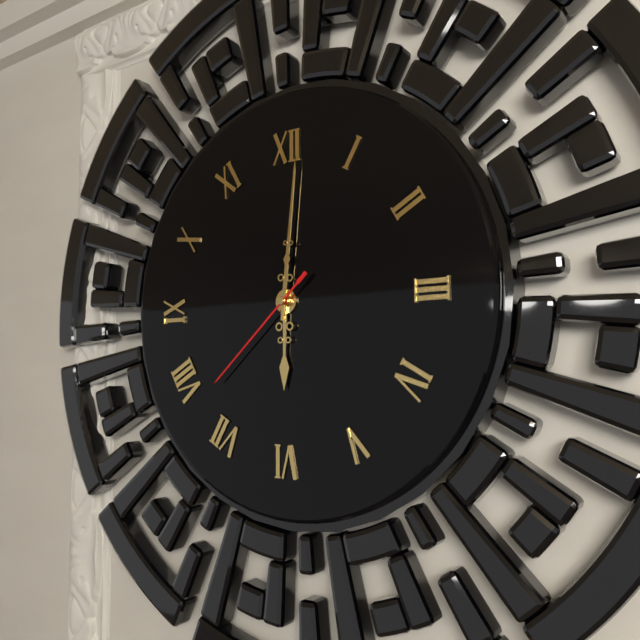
6.01.38
